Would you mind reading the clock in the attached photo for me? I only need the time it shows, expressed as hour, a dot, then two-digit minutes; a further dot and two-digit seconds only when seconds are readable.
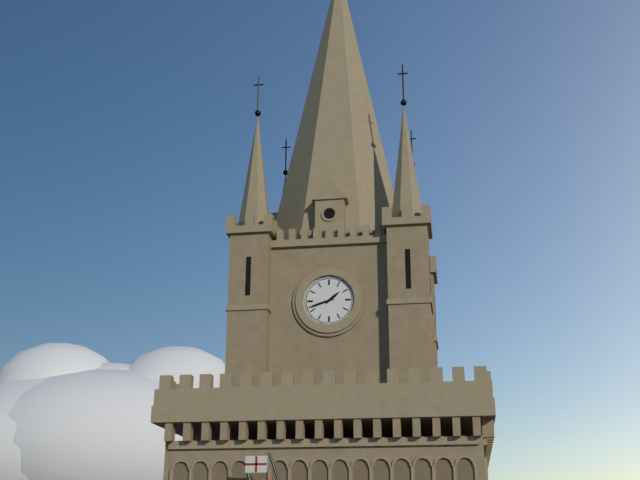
1.42
